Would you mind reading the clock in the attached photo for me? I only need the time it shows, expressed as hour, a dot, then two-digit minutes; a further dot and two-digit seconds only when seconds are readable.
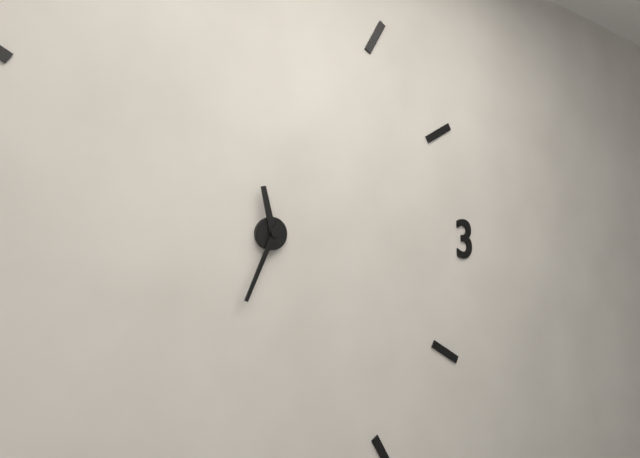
11.34
